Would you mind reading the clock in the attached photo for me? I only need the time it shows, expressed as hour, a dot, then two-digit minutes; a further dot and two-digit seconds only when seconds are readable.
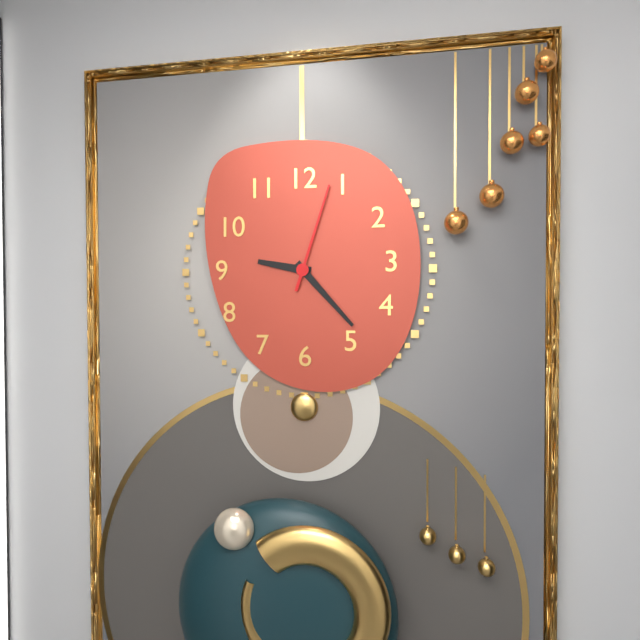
9.23.03
